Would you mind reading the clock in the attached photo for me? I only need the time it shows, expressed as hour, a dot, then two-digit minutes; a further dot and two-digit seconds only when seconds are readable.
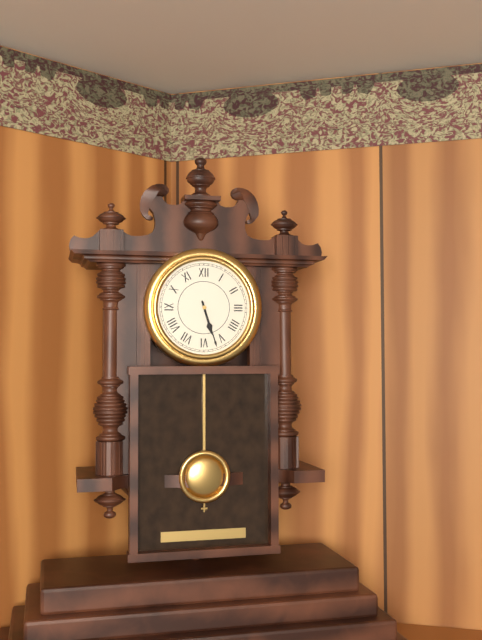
5.27
